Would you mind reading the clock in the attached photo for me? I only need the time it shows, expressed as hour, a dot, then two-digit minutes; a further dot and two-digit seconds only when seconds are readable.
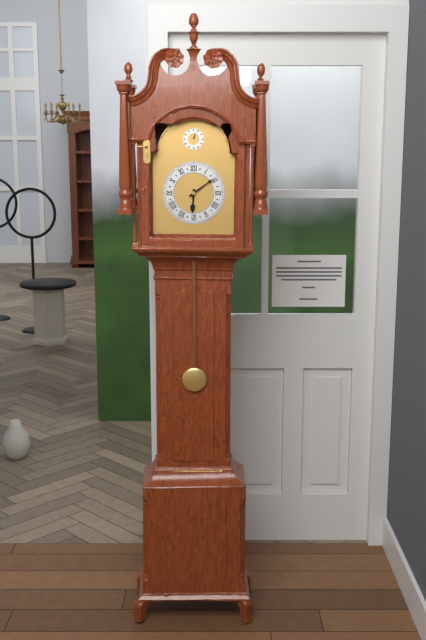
6.09
